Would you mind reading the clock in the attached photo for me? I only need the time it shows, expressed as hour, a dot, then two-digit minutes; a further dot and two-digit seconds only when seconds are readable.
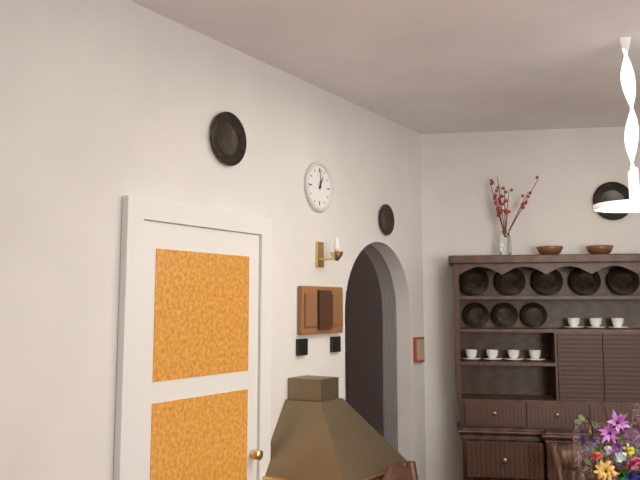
1.01
